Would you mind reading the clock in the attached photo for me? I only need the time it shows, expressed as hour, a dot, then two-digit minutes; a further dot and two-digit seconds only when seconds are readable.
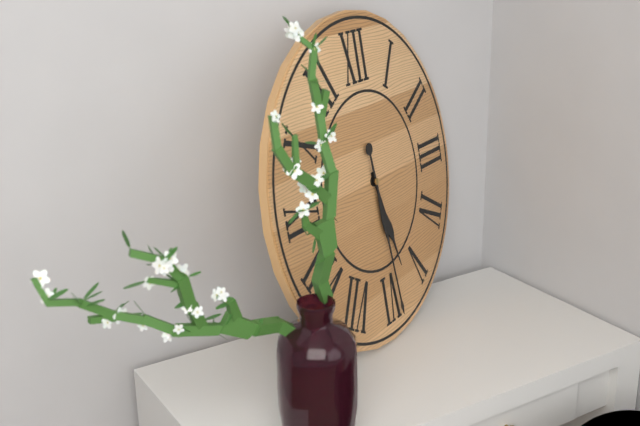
5.29
